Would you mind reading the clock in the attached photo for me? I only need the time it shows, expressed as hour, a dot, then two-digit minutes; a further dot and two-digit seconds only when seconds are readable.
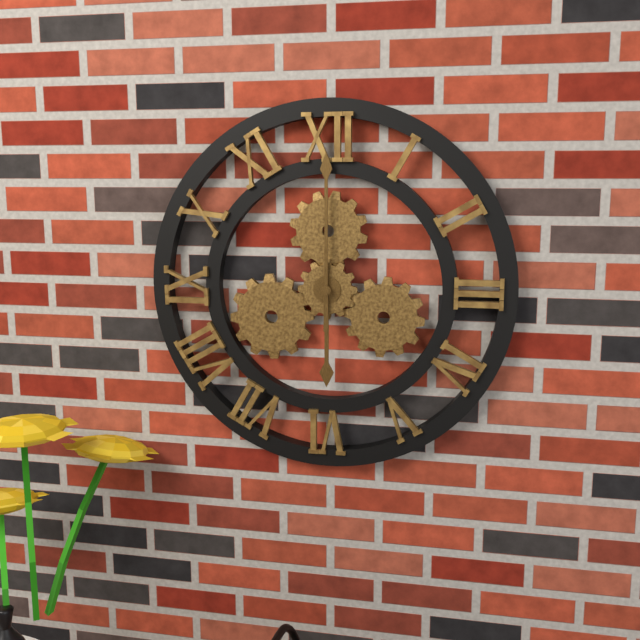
6.00
